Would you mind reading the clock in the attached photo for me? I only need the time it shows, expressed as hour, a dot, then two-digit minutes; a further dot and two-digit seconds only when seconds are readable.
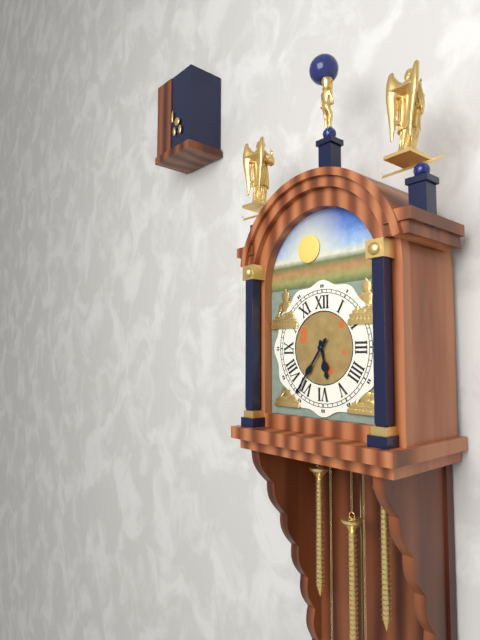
5.36
